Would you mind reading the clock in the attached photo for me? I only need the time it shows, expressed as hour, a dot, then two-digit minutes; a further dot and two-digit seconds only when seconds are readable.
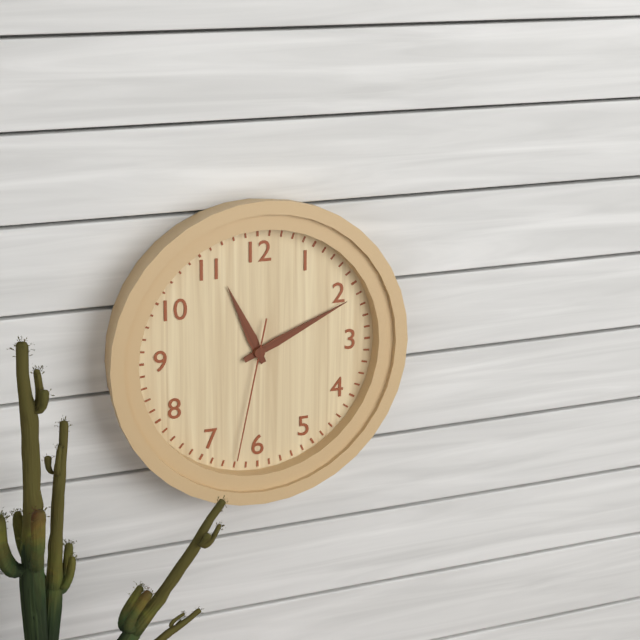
11.11.32
